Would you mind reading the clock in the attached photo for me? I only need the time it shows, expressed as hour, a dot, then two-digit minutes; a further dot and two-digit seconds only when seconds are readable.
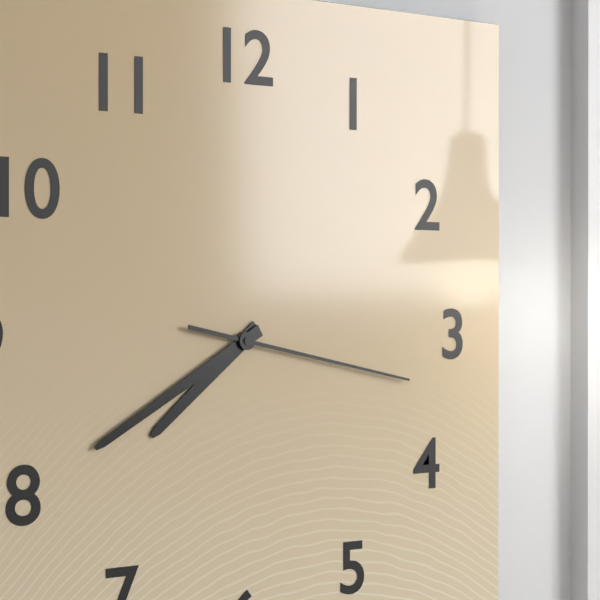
7.40.17
